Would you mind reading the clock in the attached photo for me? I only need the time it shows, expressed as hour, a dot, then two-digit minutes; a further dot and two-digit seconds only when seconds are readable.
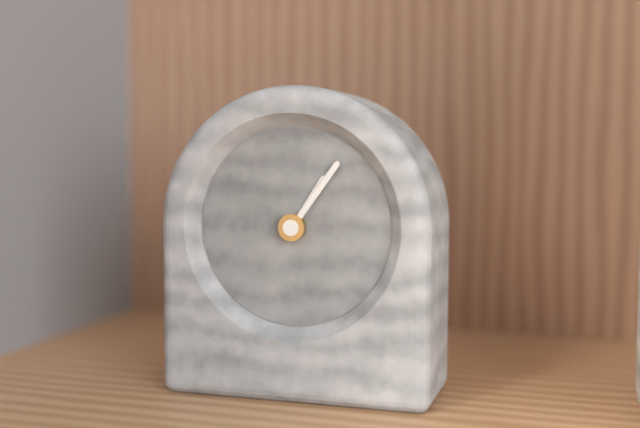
1.06
